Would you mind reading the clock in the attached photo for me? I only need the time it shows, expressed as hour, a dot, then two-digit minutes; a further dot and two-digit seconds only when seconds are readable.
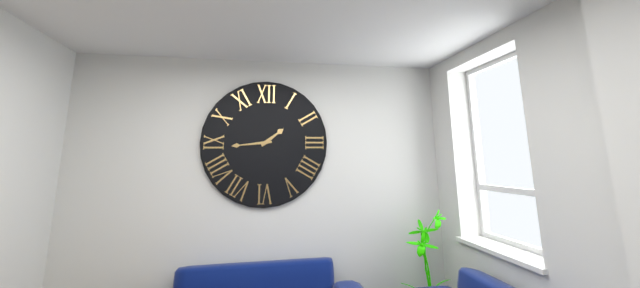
1.44
